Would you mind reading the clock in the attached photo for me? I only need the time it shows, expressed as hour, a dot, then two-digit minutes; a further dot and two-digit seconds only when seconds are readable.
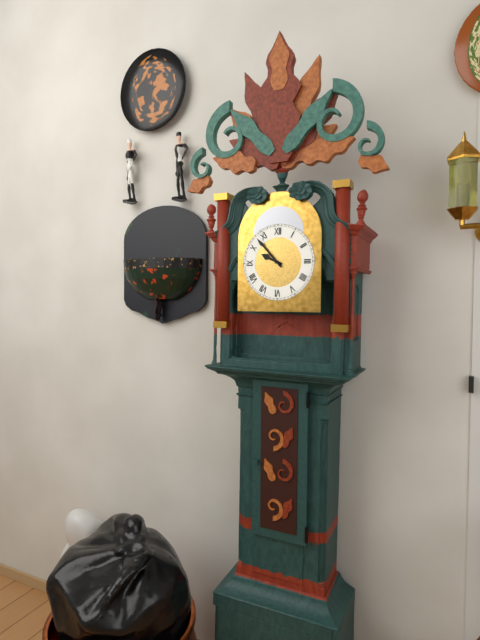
9.53
